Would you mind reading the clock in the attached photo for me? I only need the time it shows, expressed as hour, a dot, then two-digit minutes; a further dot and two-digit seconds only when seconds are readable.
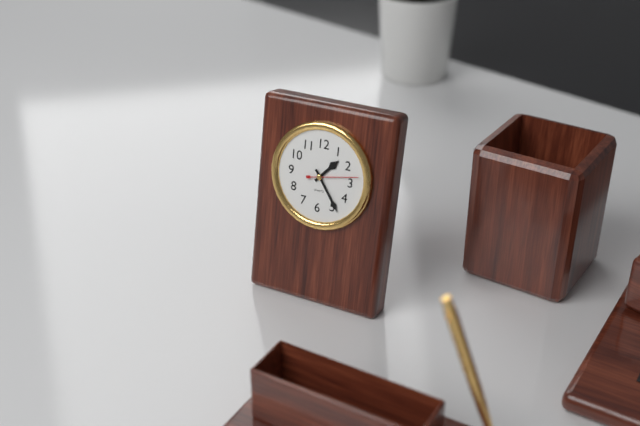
1.24
